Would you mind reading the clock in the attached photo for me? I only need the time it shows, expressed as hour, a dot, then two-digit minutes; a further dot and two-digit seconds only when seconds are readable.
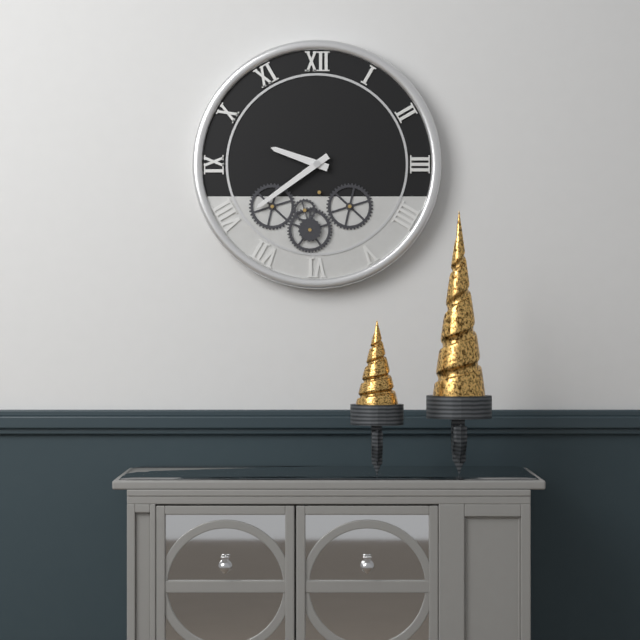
9.39
